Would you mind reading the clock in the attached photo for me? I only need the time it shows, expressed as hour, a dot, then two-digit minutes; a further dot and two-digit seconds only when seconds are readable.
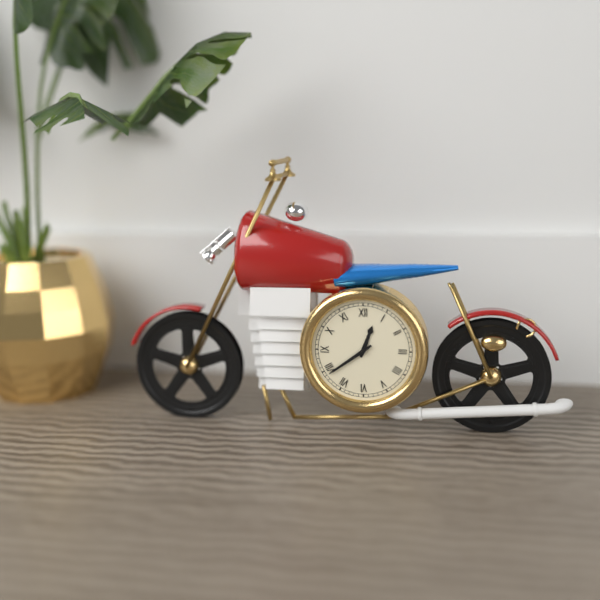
12.39
